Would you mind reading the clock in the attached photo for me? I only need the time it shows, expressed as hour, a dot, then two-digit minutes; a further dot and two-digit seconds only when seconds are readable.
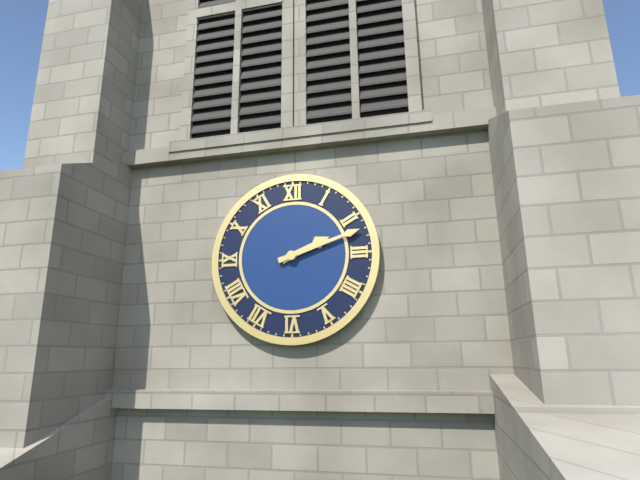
2.12
